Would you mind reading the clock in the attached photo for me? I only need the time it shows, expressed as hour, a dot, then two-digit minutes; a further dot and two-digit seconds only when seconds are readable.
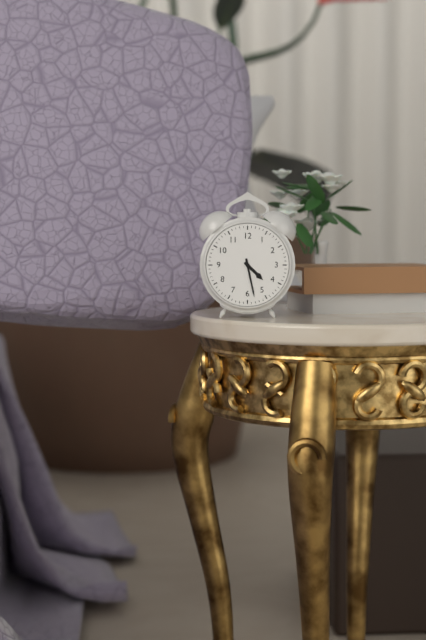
4.28
